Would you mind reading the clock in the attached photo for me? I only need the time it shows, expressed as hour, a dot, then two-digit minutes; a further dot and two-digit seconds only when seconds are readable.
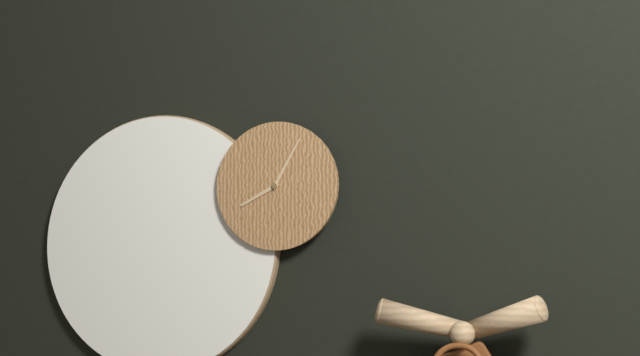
8.05
